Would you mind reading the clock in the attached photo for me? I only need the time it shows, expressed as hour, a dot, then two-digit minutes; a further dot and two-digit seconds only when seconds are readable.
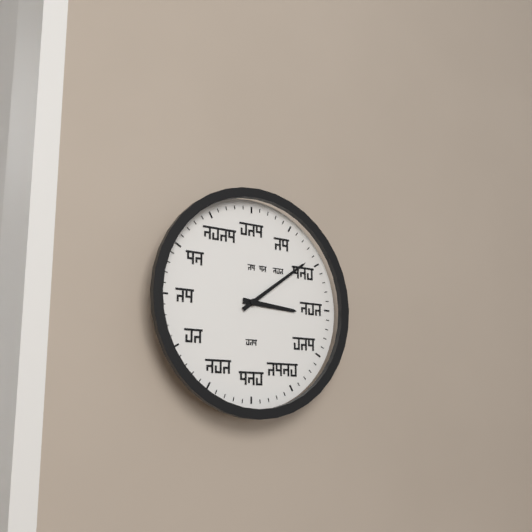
3.09
